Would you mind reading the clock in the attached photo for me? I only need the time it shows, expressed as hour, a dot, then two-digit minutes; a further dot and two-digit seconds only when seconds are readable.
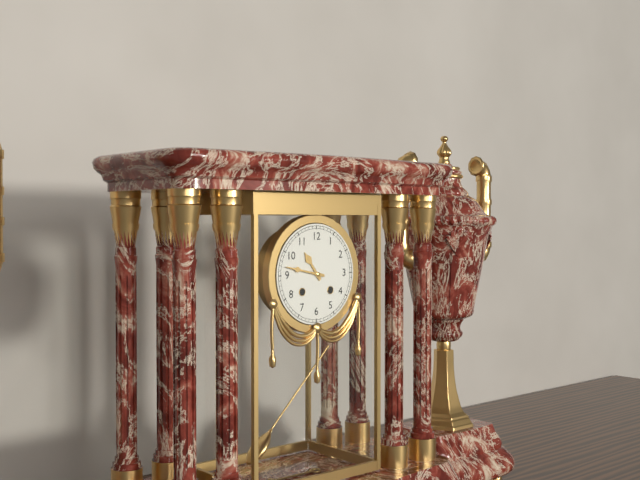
10.47
